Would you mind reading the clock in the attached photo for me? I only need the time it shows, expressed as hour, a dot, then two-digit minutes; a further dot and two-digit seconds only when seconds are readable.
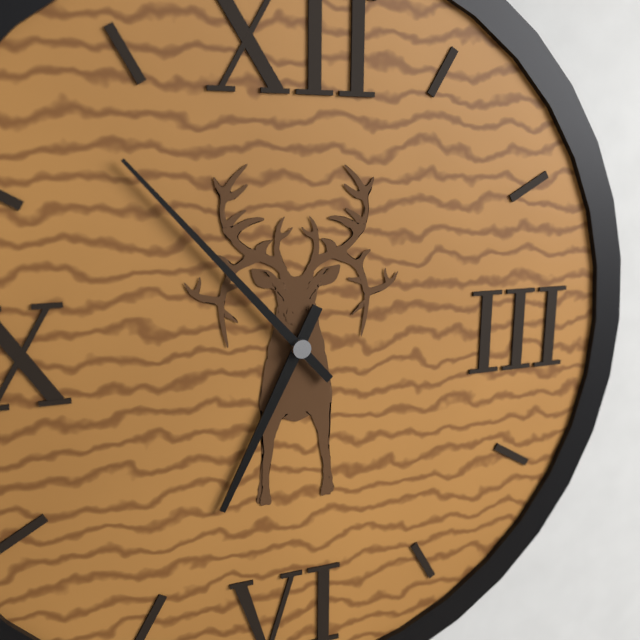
6.53
